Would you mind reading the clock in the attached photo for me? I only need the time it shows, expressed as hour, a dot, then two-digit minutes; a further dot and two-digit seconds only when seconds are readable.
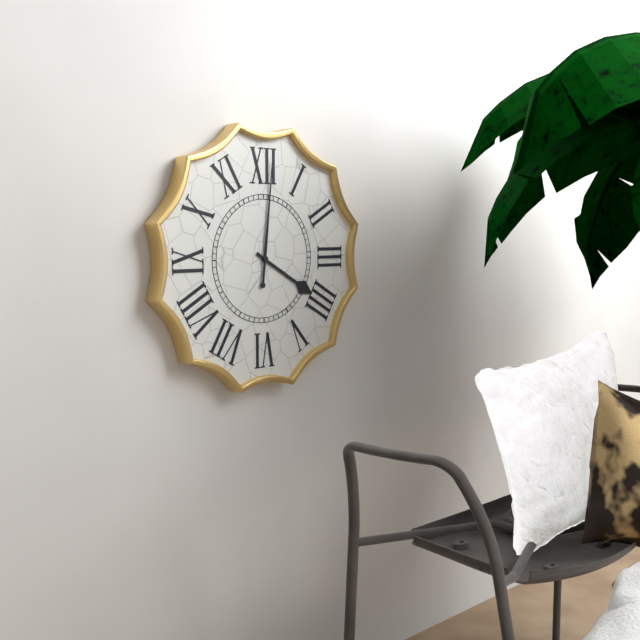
4.01
